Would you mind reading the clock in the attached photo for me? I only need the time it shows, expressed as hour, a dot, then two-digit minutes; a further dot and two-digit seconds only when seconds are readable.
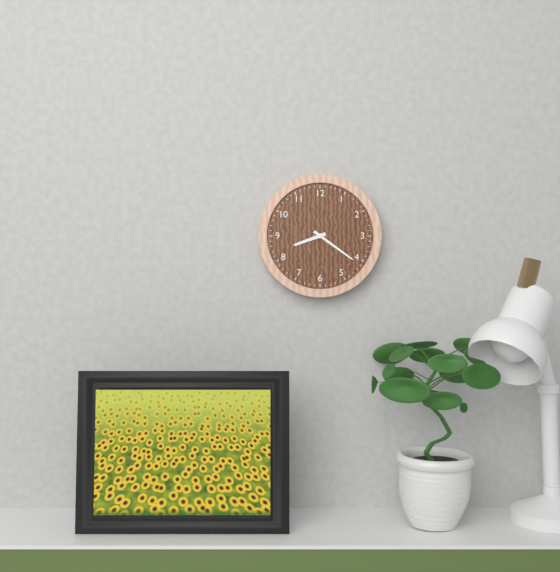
8.21
